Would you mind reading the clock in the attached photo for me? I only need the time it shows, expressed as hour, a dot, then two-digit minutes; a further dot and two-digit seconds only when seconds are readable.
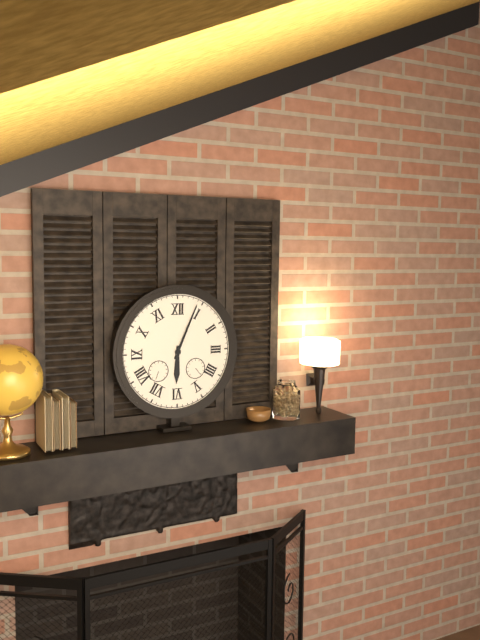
6.04
